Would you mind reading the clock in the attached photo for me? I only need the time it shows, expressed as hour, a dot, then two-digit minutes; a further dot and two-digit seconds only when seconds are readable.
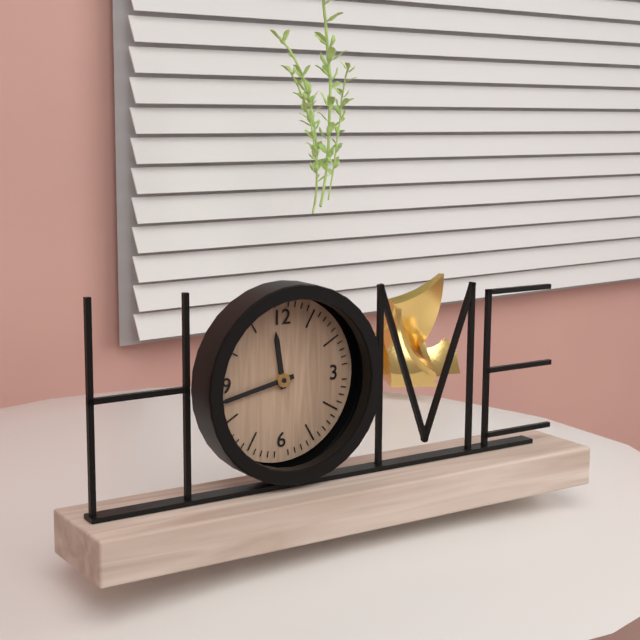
11.43
